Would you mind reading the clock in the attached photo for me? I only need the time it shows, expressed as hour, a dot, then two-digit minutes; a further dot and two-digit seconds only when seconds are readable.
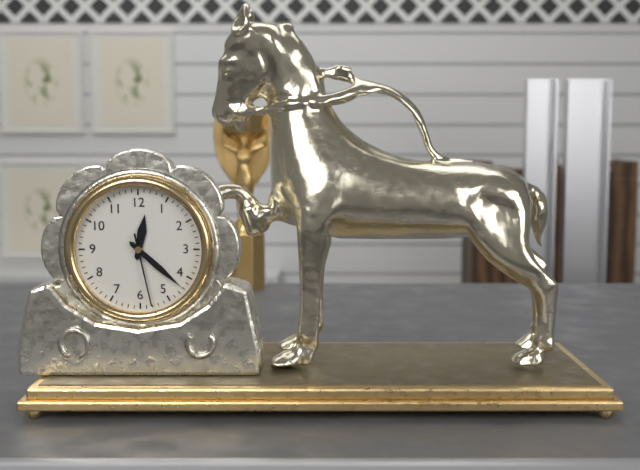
12.22.28
